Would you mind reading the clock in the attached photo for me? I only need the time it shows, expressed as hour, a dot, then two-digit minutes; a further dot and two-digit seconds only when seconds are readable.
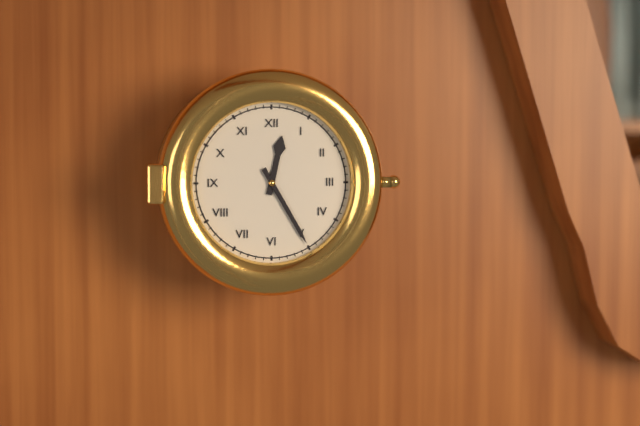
12.25
